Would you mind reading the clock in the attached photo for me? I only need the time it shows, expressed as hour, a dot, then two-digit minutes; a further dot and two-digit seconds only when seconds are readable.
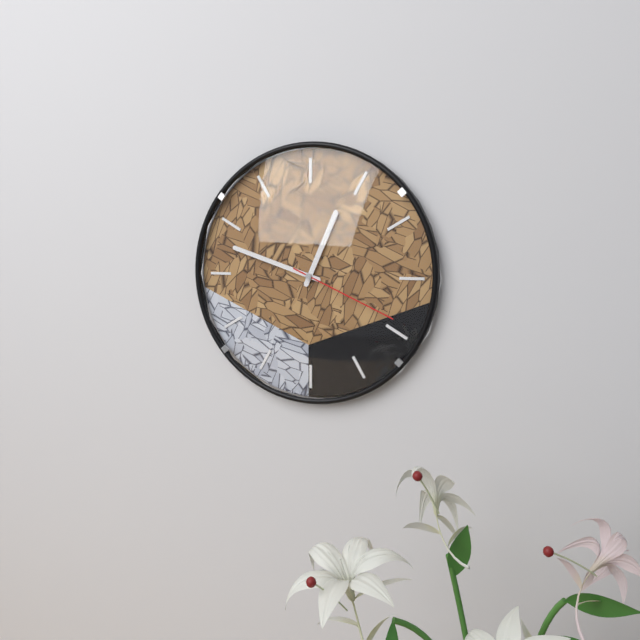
12.48.19
